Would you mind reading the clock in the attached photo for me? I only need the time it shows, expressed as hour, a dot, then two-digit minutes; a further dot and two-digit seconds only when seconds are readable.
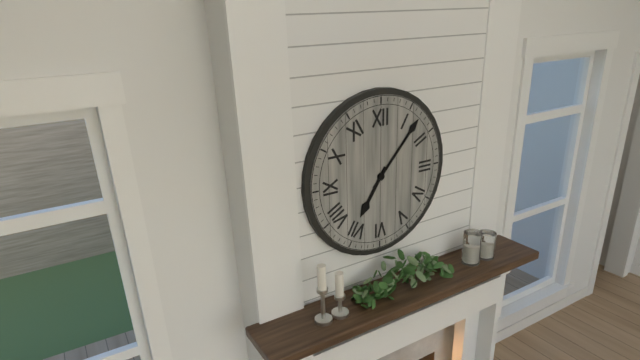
7.07
